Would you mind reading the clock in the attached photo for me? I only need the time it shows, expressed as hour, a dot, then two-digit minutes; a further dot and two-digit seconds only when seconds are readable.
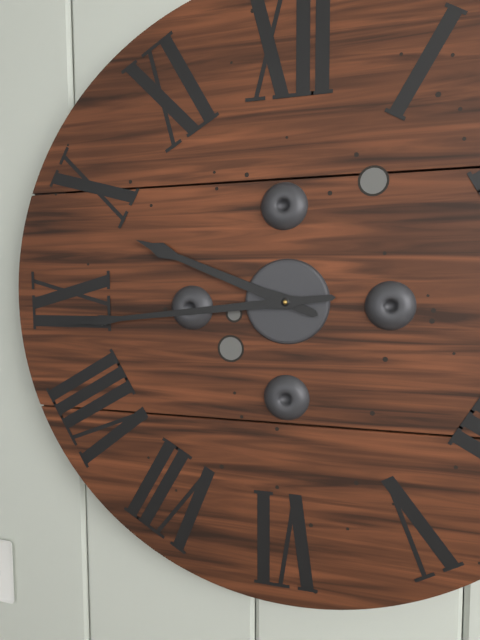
9.44
